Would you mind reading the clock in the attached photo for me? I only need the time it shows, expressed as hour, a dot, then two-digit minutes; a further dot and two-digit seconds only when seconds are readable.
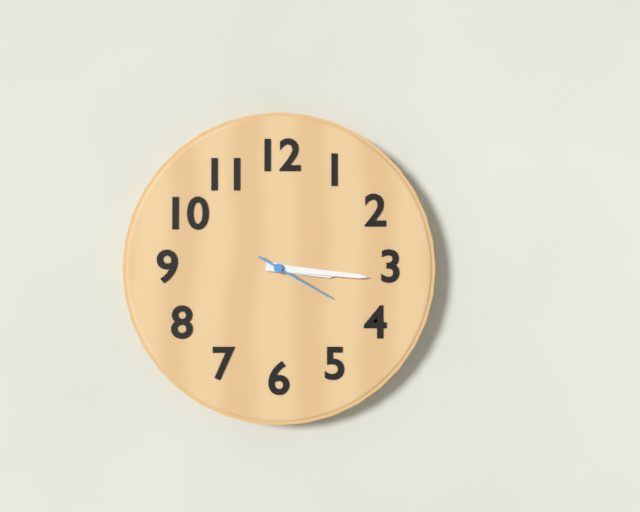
3.16.20
